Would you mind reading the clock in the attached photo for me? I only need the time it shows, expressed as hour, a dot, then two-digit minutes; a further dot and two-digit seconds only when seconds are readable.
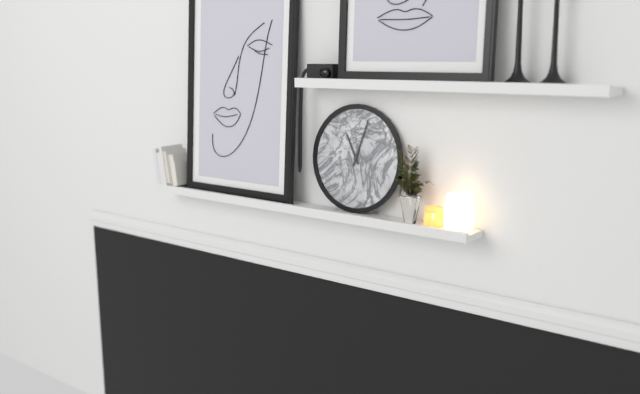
11.03
